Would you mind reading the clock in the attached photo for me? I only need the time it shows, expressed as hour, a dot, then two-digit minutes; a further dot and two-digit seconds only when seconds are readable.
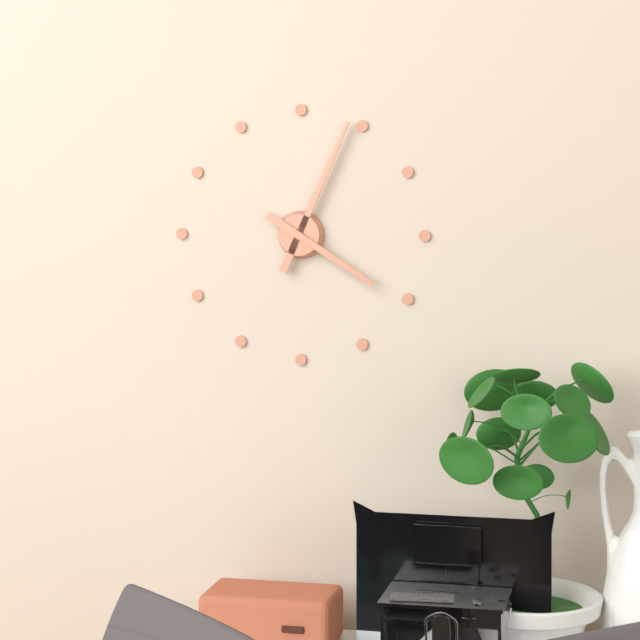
4.04
